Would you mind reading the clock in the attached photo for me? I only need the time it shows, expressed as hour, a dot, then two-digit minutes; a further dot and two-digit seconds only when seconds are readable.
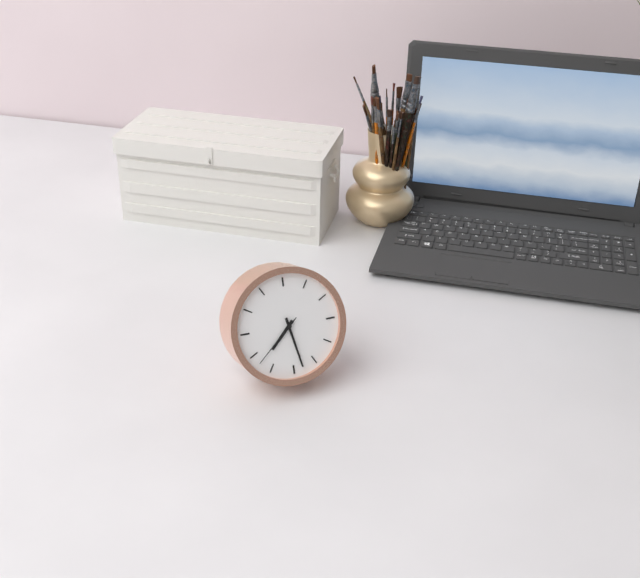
7.28.38
